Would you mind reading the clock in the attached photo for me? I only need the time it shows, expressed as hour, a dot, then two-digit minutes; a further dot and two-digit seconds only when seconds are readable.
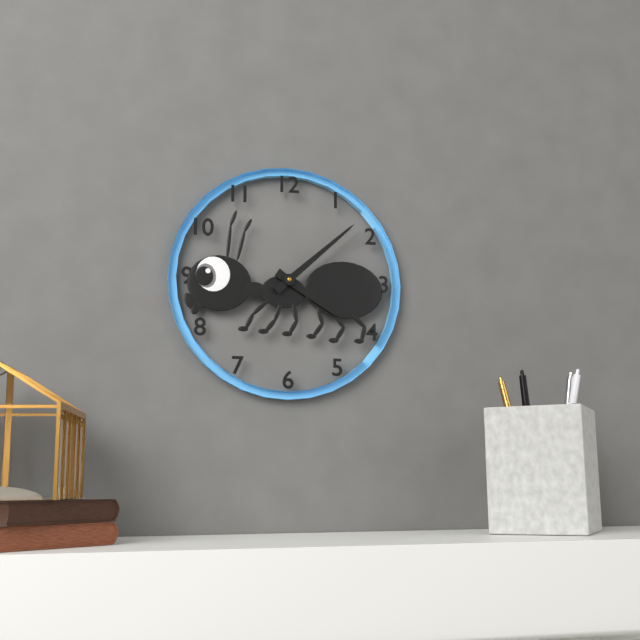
4.08
